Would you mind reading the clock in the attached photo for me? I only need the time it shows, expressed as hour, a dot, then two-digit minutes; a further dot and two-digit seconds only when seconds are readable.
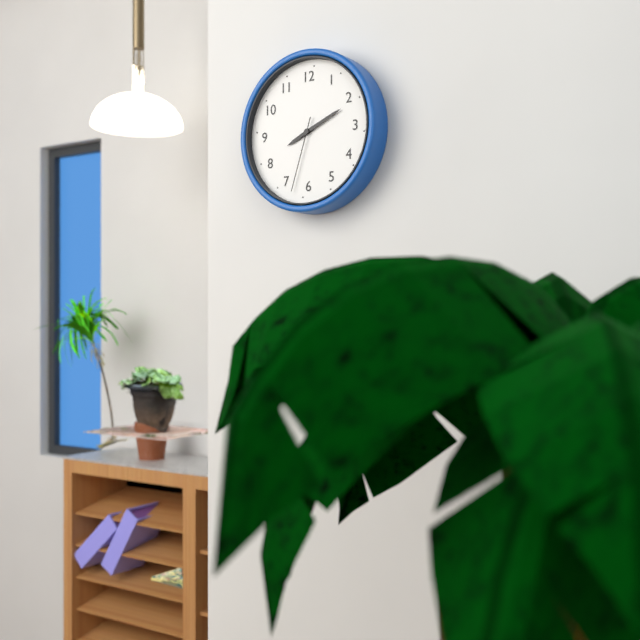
8.11.33
